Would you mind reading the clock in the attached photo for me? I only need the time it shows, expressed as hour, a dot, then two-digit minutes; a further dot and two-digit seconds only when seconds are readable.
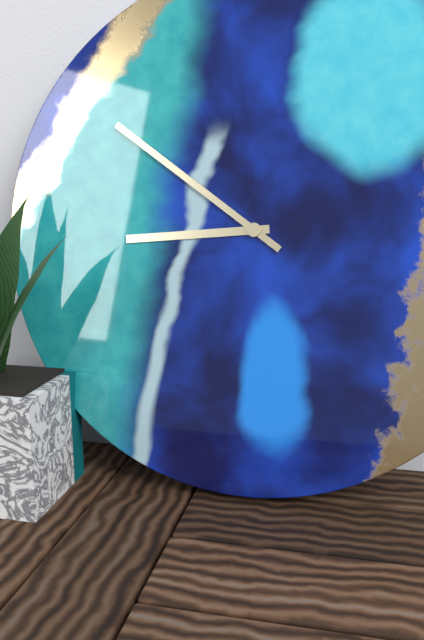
8.51
